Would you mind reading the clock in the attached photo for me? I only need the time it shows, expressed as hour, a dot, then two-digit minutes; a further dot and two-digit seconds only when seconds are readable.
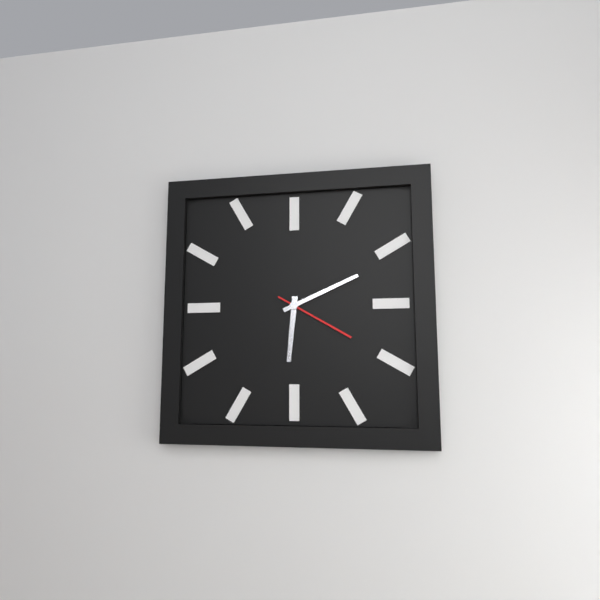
6.11.20
